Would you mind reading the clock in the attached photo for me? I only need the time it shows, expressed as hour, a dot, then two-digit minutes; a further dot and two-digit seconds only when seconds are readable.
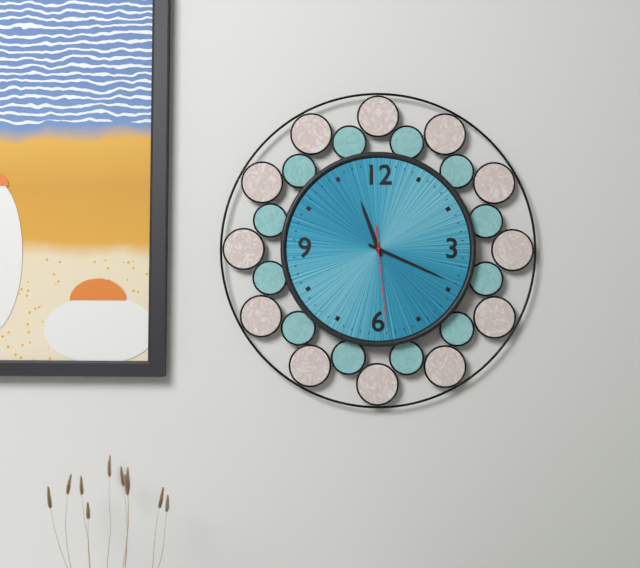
11.19.29
